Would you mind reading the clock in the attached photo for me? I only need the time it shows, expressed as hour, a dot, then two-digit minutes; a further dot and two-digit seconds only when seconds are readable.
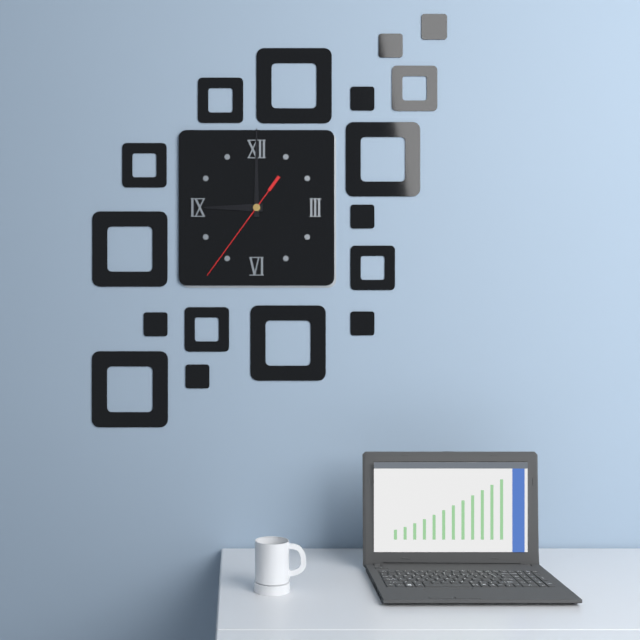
9.00.36
